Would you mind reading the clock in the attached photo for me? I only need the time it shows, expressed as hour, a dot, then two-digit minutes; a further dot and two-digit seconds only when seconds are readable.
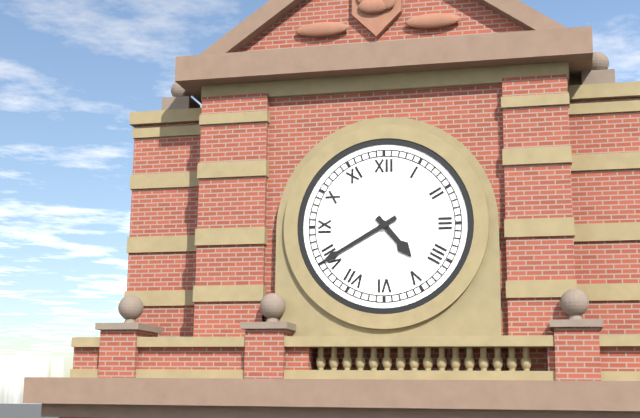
4.40
